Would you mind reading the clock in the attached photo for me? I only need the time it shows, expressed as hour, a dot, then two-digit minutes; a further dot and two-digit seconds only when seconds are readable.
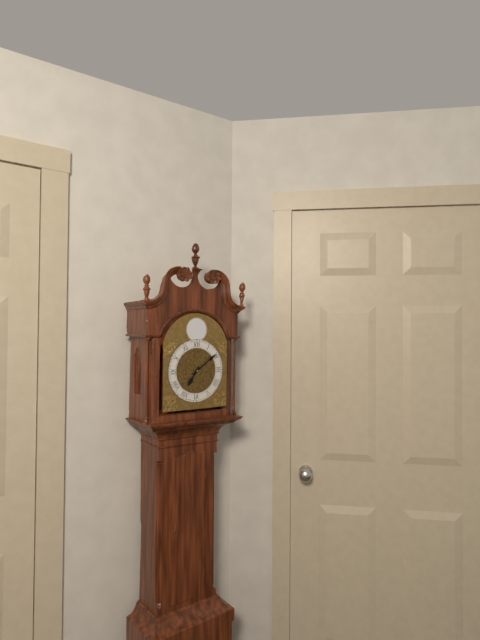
7.09
